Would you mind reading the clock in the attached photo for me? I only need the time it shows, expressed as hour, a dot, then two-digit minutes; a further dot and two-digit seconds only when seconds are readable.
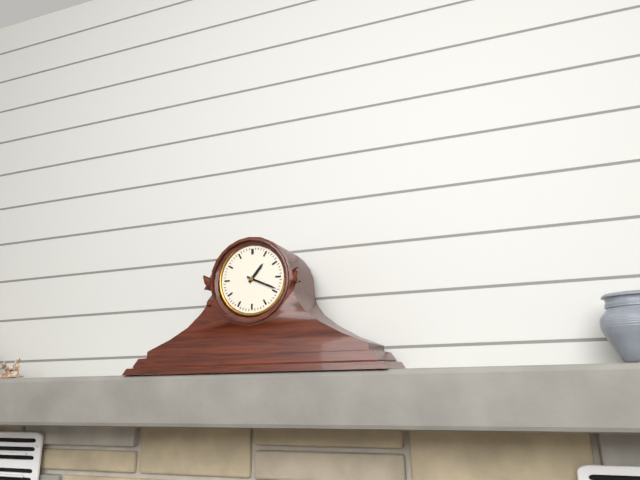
1.19
